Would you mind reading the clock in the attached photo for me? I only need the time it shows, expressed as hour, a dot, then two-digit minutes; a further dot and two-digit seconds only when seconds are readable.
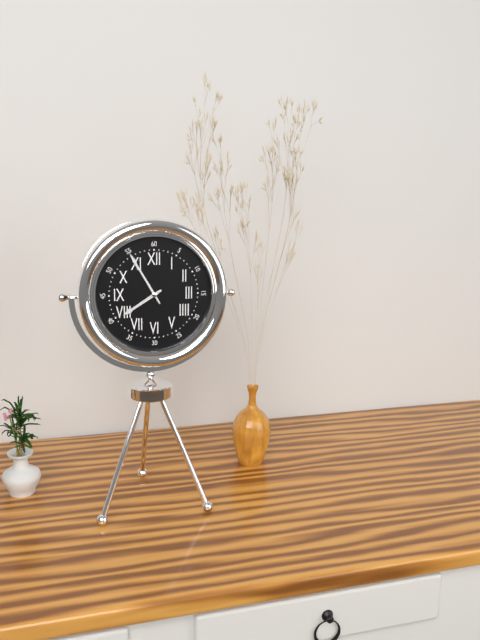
7.55
